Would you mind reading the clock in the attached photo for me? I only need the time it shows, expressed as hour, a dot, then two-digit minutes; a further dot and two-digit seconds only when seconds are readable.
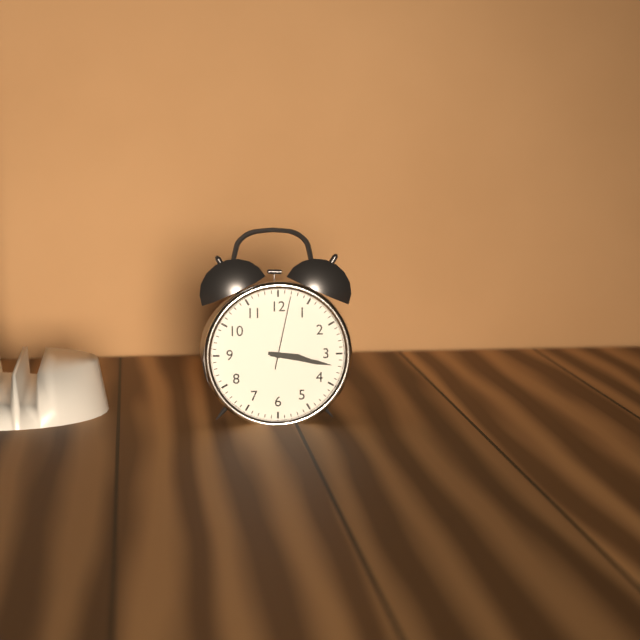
3.17.02
